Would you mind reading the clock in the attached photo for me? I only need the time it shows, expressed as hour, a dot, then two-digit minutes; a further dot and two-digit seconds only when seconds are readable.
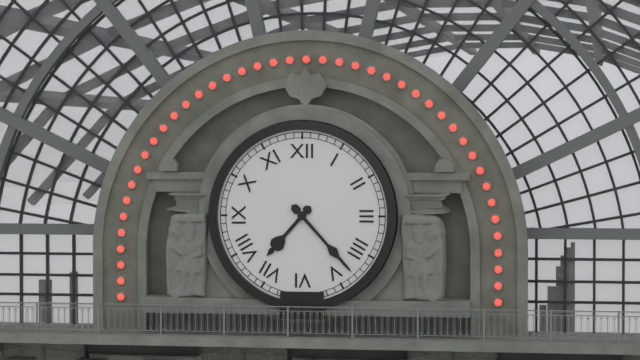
7.23
